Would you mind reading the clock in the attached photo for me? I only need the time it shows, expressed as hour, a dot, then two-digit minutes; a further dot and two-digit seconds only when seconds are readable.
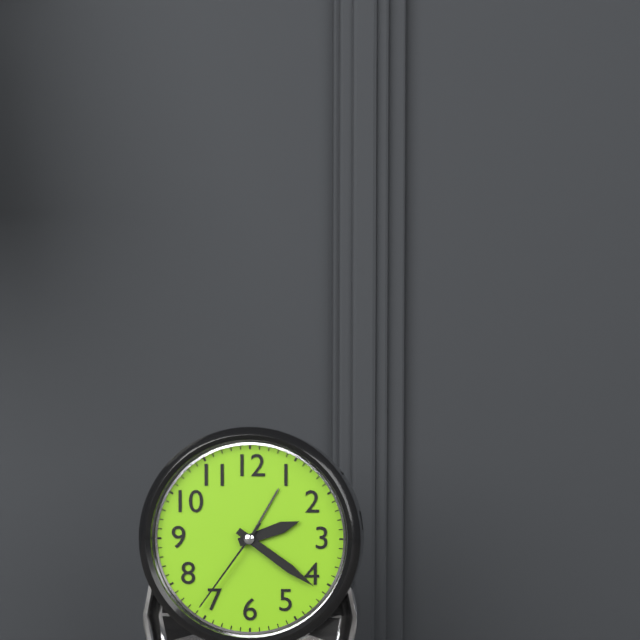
2.21.36
